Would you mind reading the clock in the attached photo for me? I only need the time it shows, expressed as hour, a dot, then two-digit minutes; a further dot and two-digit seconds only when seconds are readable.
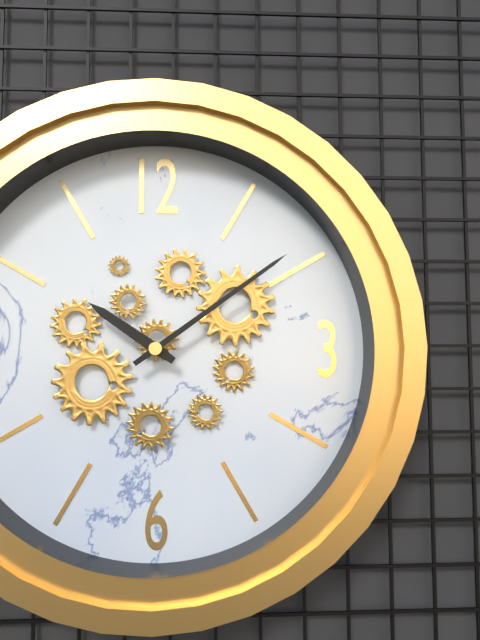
10.09
